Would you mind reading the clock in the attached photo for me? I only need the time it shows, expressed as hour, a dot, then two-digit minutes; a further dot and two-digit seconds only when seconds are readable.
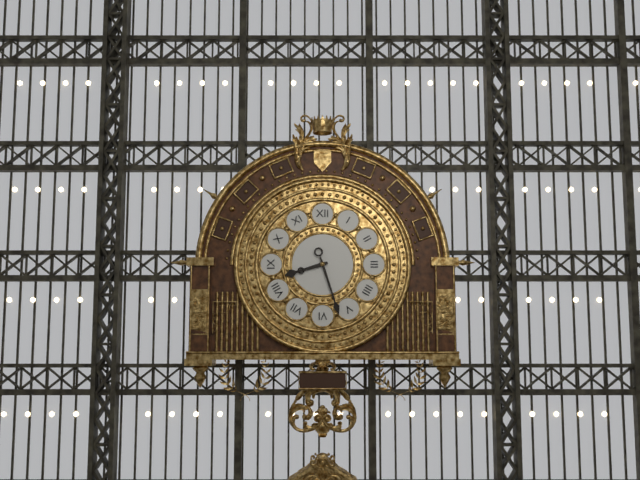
8.27
